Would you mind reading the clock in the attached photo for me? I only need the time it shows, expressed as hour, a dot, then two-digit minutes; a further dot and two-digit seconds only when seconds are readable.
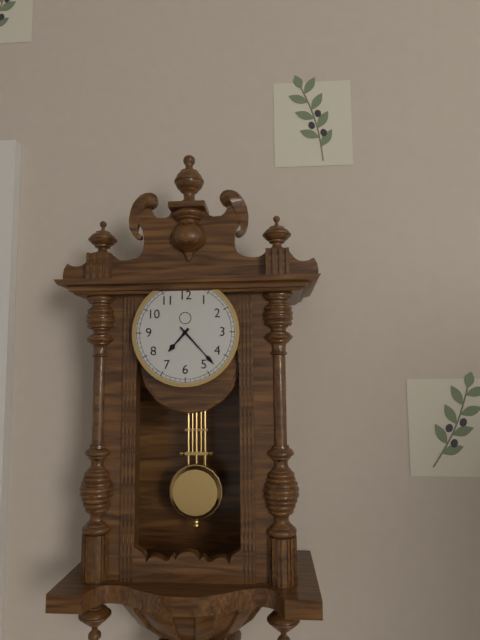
7.23
